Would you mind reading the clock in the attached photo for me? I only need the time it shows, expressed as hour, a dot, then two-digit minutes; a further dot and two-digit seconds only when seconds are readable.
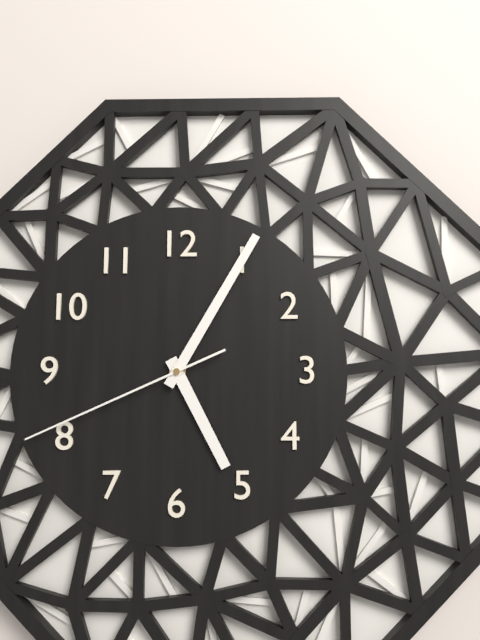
5.05.41
